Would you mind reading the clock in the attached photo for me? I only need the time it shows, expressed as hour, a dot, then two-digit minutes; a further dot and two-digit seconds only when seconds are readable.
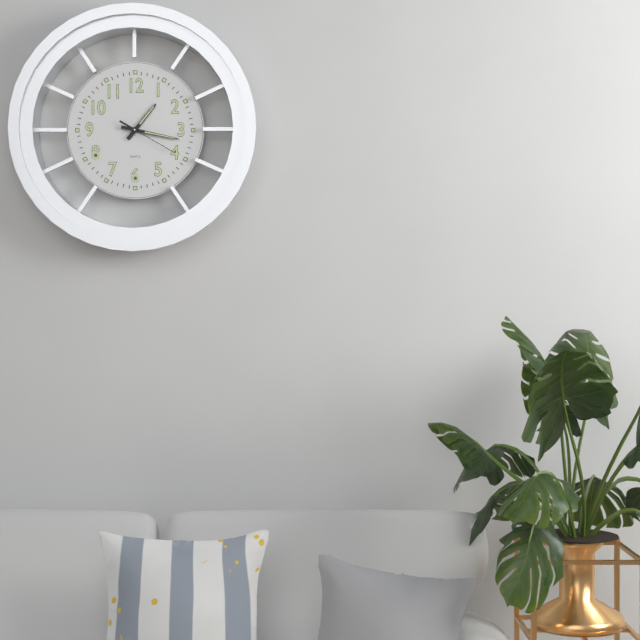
1.17.20
